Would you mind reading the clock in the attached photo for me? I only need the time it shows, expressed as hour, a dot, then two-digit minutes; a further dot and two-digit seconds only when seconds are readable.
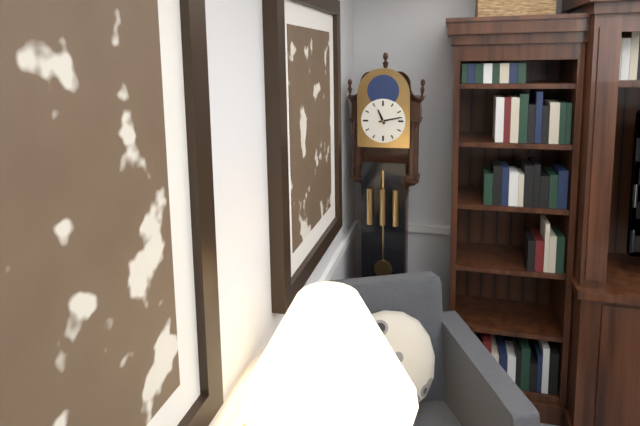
11.13
